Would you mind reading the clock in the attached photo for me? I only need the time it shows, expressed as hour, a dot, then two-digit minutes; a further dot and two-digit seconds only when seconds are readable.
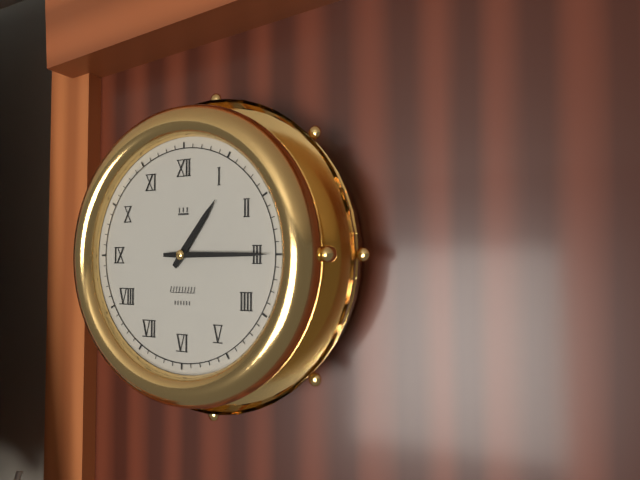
1.15
